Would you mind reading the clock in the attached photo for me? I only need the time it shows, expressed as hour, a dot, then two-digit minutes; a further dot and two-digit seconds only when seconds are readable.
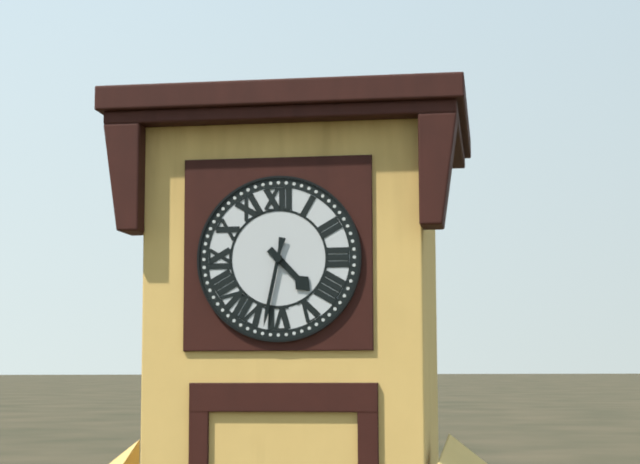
4.32
